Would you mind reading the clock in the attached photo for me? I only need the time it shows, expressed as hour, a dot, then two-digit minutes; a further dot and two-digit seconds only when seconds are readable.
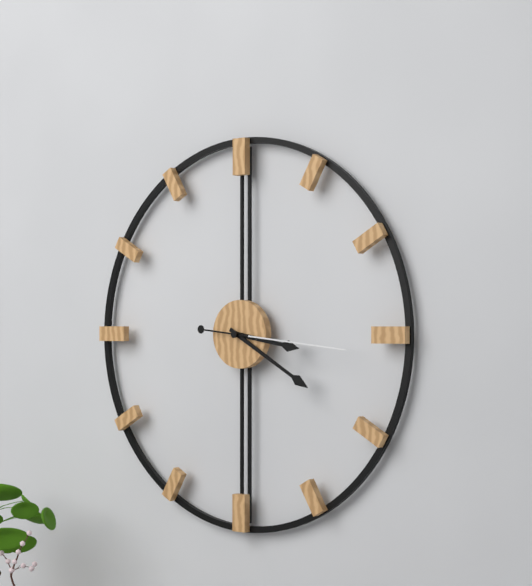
3.20.16
